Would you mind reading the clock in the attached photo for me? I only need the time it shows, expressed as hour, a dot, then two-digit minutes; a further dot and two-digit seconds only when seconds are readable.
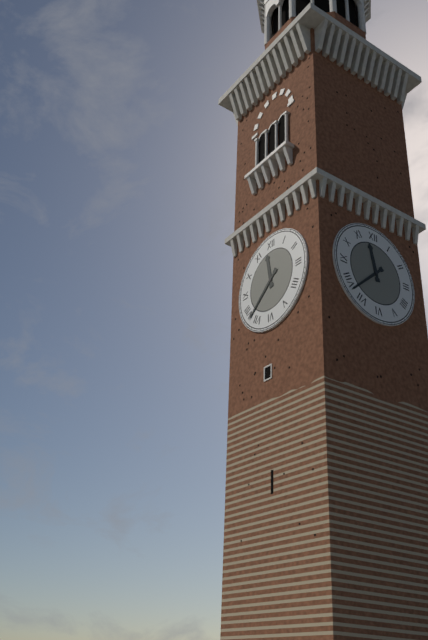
11.38
